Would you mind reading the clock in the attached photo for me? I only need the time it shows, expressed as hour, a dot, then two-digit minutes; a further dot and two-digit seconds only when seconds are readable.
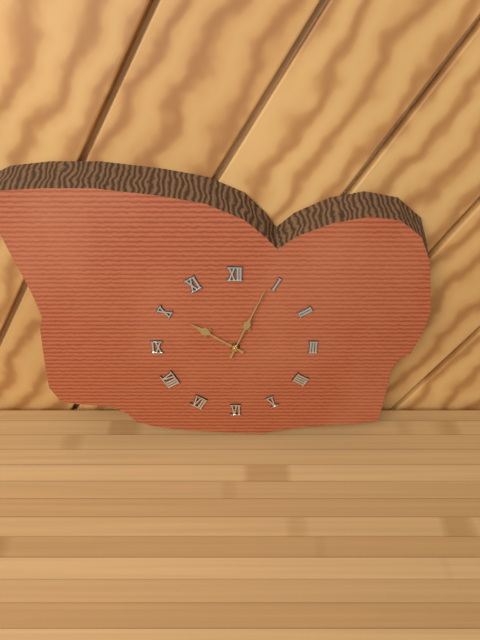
10.04
